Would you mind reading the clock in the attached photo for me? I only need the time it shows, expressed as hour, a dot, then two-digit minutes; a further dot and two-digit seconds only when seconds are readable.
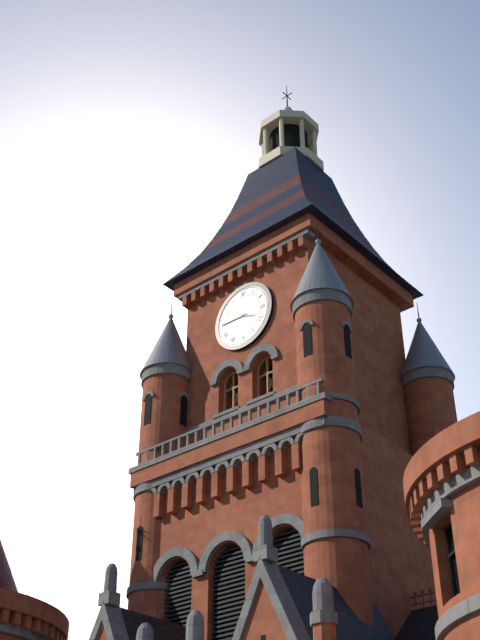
3.45
